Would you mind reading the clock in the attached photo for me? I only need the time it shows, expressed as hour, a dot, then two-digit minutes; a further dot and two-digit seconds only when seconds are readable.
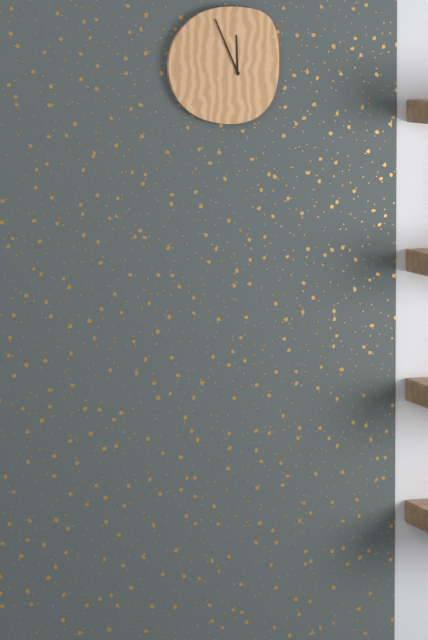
11.56
